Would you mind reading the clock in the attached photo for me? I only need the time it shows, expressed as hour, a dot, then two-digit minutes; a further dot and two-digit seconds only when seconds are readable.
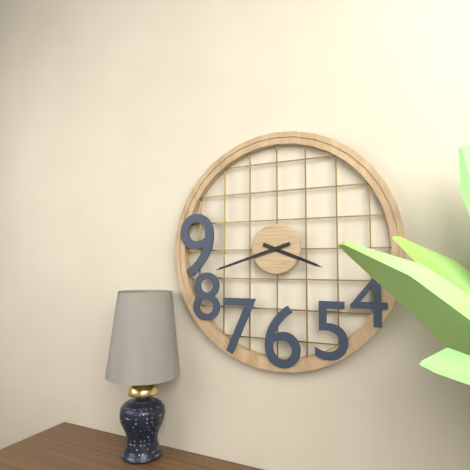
3.42
